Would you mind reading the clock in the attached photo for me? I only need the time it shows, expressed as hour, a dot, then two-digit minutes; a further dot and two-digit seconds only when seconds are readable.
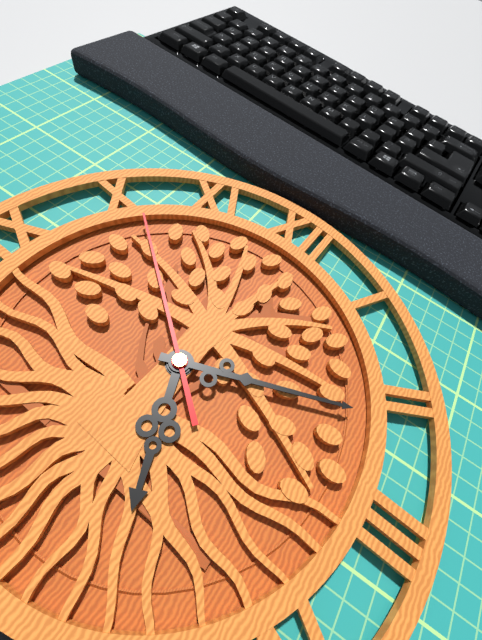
5.11.51
